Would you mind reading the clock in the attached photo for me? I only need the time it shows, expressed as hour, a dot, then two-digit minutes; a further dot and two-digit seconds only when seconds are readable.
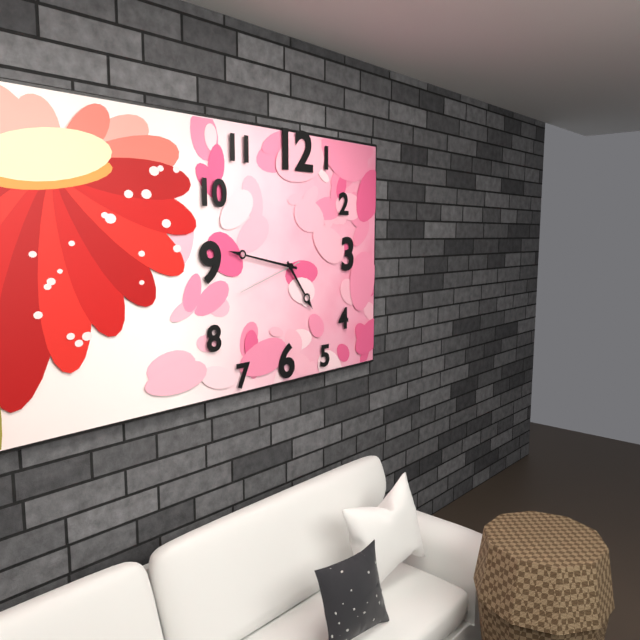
4.47.42
